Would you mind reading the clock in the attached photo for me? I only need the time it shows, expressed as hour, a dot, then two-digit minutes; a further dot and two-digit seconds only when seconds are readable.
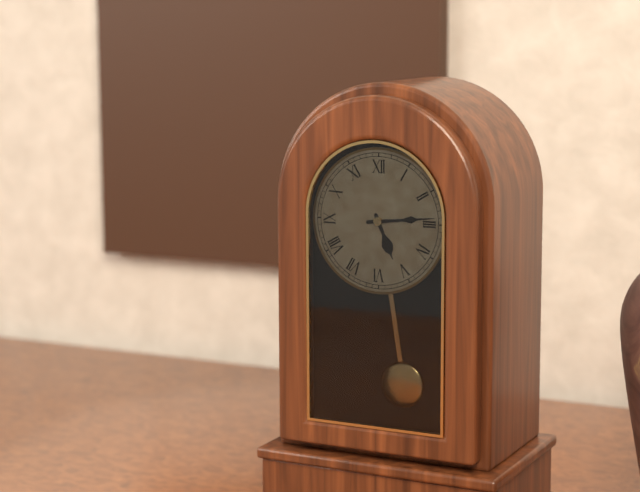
5.14
